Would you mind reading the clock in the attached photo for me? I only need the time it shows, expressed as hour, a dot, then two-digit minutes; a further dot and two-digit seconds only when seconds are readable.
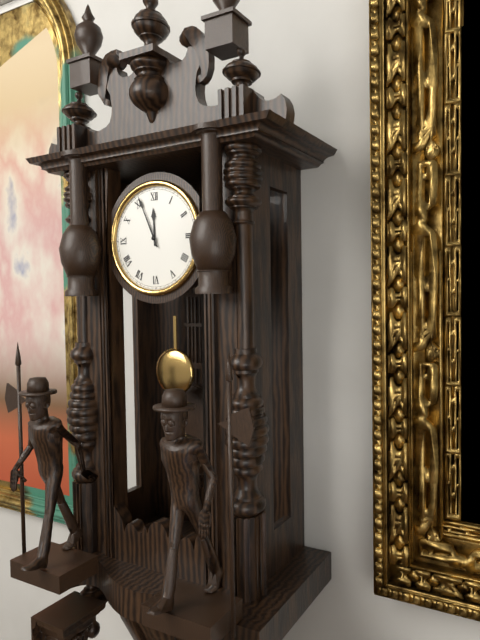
11.56
